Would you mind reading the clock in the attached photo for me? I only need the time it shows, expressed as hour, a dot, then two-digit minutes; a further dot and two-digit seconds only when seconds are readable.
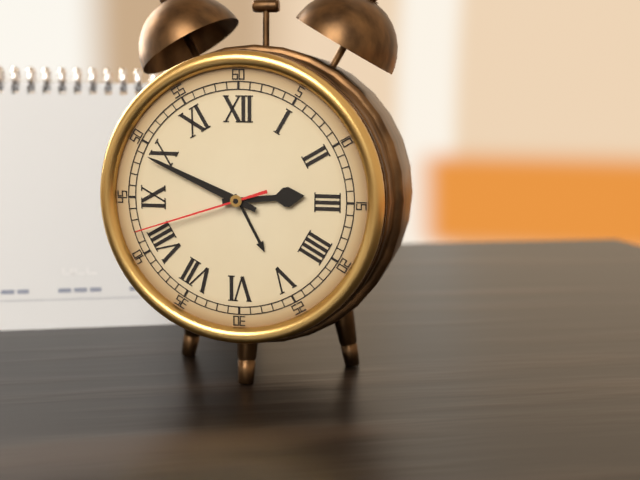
2.49.42
